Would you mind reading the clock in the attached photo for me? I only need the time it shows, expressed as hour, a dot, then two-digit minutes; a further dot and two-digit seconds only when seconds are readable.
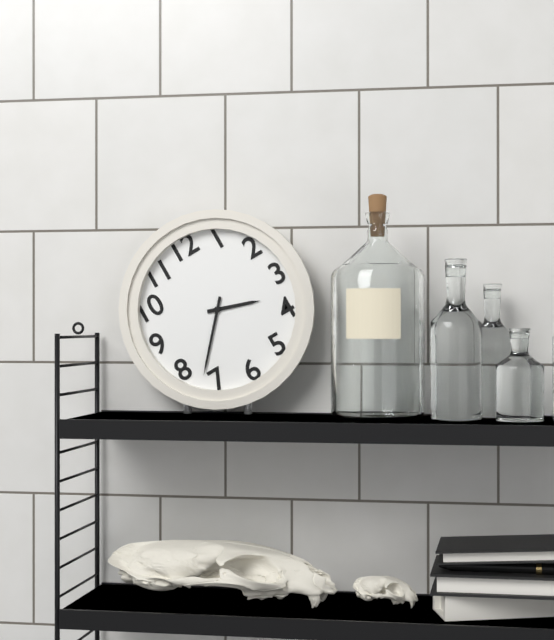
3.37
